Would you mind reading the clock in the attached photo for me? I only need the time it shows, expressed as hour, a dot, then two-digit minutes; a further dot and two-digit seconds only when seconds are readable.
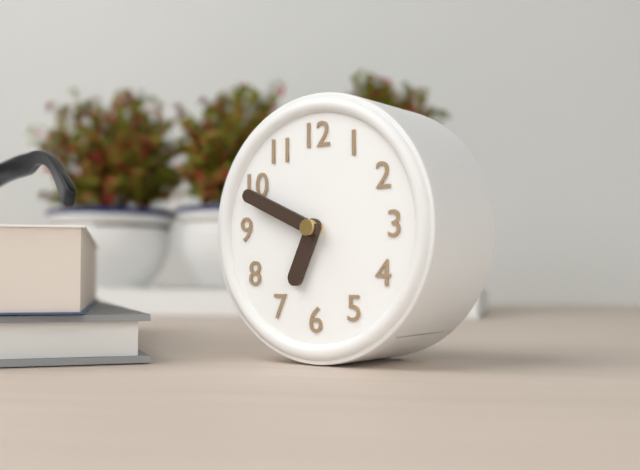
6.49
